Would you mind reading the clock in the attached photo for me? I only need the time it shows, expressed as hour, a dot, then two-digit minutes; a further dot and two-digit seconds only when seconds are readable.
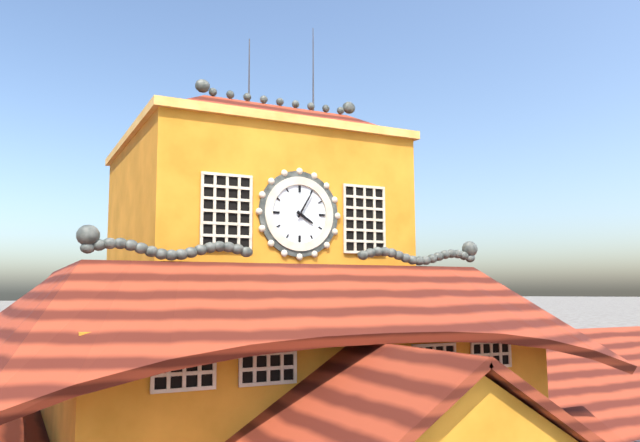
4.05
